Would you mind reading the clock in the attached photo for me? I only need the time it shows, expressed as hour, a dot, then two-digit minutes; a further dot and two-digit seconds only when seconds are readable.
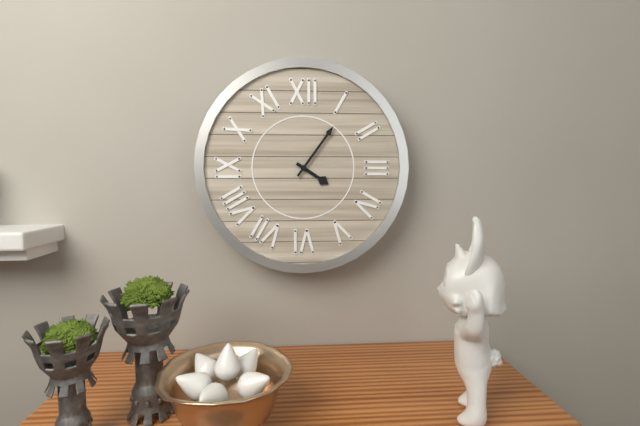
4.06
